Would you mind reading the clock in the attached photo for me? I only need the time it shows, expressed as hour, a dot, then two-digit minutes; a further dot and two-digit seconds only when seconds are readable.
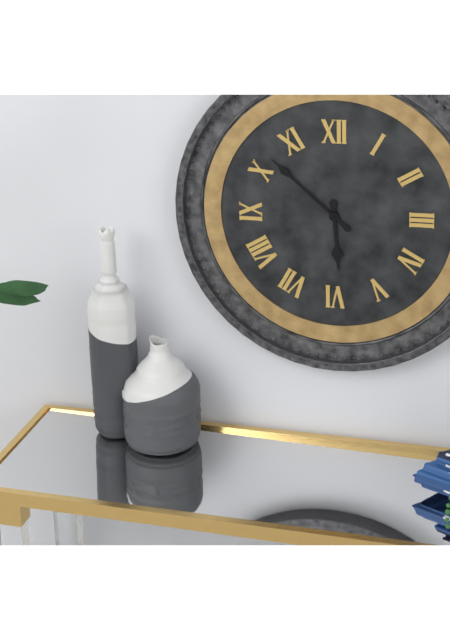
5.52
